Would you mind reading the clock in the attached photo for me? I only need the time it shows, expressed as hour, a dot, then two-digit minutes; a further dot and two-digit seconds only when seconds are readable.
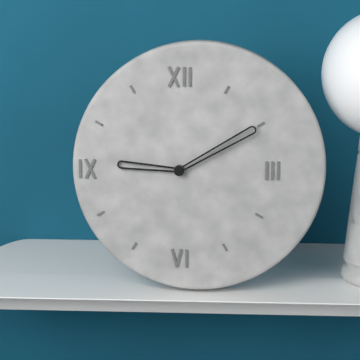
9.10
